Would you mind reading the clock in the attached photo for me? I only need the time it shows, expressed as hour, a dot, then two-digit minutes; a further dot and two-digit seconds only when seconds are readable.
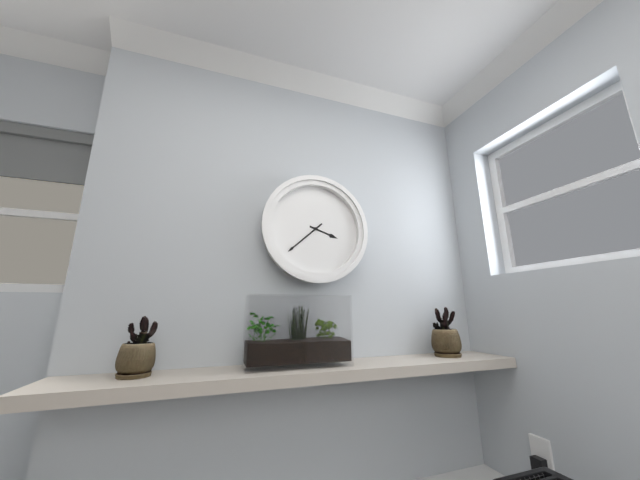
3.38
